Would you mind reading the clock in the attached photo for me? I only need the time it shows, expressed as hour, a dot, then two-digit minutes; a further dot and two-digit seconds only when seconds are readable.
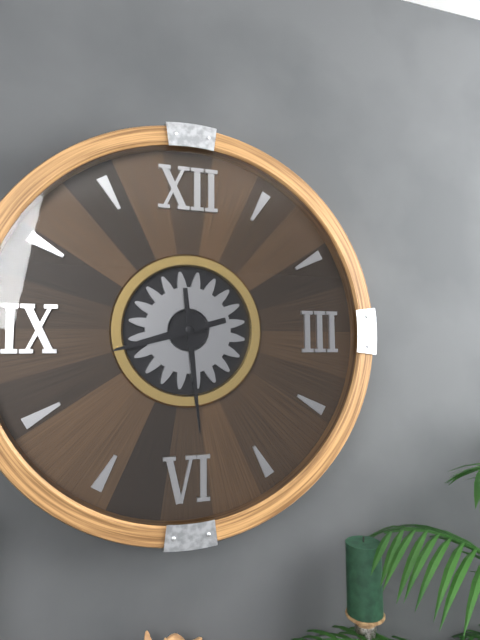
8.29
